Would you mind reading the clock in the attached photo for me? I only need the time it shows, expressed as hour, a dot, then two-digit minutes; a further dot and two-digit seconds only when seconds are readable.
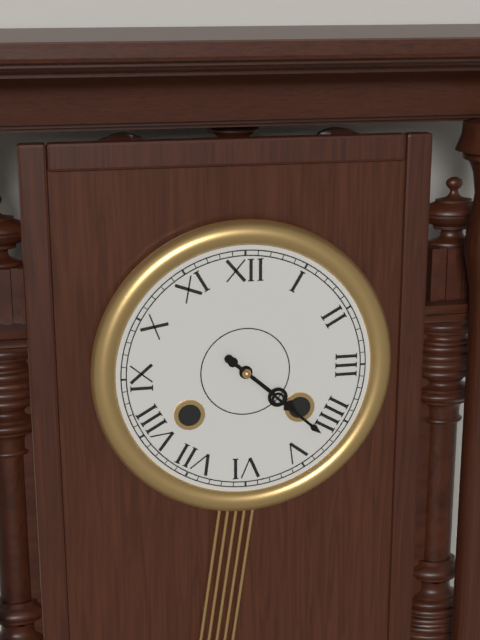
4.22
